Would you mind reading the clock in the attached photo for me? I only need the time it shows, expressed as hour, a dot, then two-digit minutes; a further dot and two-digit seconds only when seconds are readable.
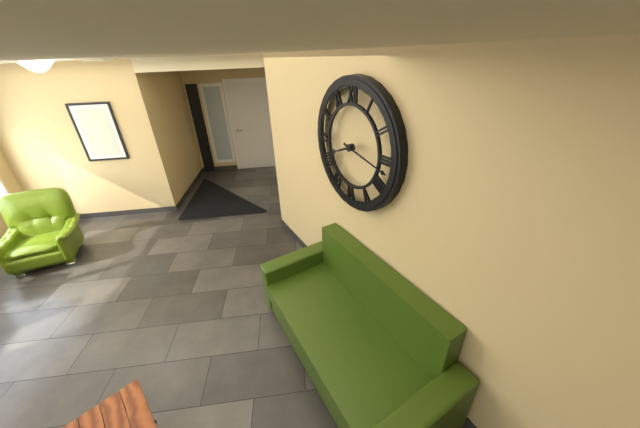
8.17
